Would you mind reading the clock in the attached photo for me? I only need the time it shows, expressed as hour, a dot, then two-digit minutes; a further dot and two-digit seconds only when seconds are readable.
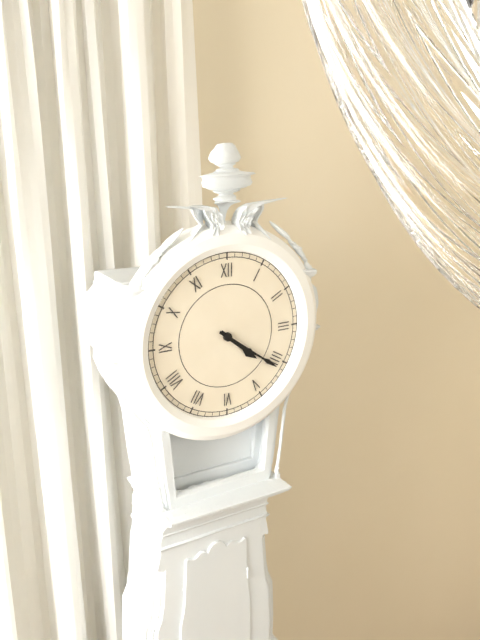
4.21
